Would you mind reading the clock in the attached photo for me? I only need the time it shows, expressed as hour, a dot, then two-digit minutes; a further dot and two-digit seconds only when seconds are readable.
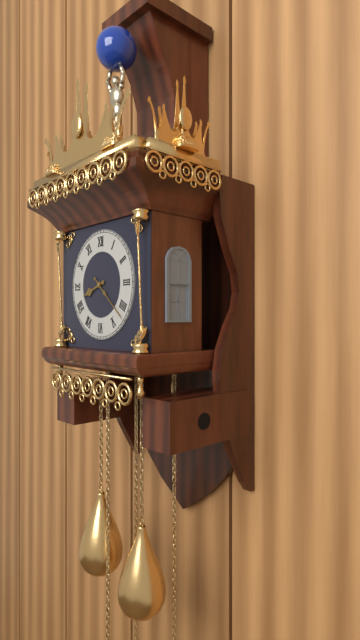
8.22
